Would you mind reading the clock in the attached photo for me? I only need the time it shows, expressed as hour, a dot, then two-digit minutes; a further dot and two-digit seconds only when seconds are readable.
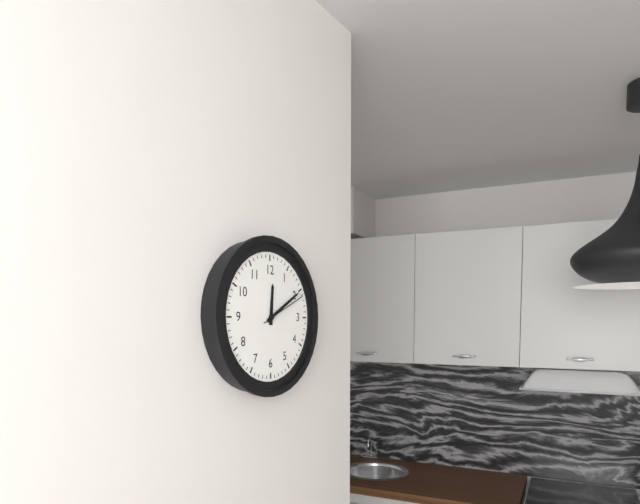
12.10
